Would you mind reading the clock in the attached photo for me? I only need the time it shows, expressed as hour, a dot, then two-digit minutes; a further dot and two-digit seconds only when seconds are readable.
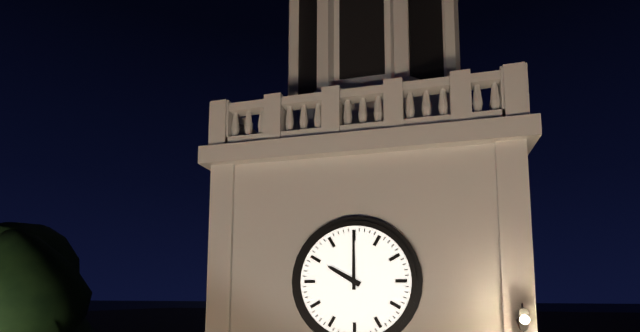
10.00
